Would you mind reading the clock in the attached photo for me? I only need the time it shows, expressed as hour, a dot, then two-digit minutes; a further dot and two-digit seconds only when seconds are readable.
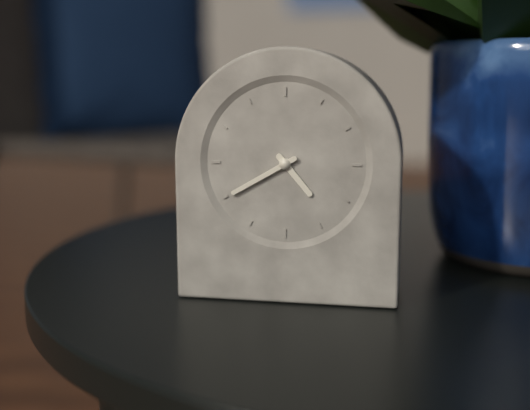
4.40
